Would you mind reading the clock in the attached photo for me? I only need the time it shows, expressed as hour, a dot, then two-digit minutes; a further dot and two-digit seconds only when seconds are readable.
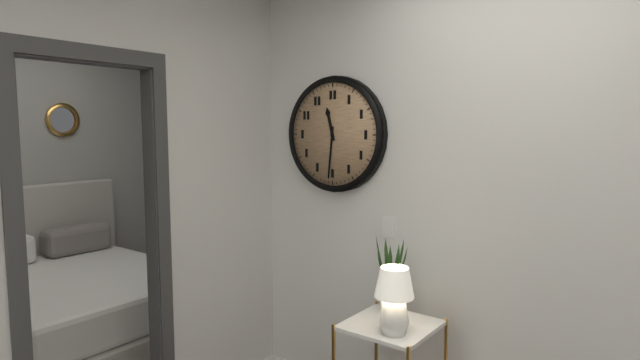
11.31
